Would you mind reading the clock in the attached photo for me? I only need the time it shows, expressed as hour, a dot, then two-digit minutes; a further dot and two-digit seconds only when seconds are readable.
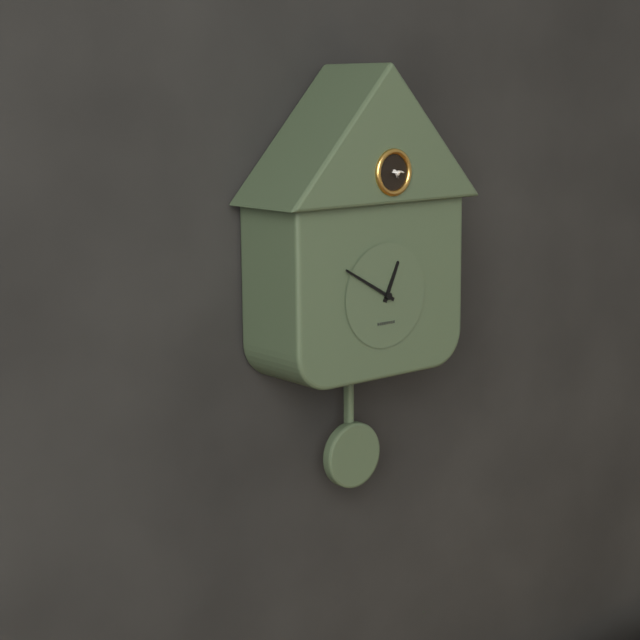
12.50
